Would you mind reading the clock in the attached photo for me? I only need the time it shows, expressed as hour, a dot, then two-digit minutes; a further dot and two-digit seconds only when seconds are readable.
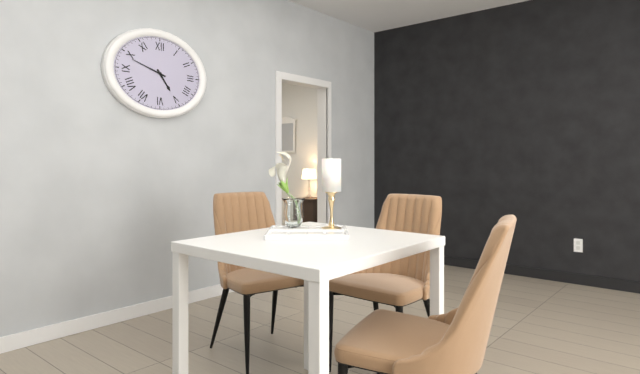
4.48
